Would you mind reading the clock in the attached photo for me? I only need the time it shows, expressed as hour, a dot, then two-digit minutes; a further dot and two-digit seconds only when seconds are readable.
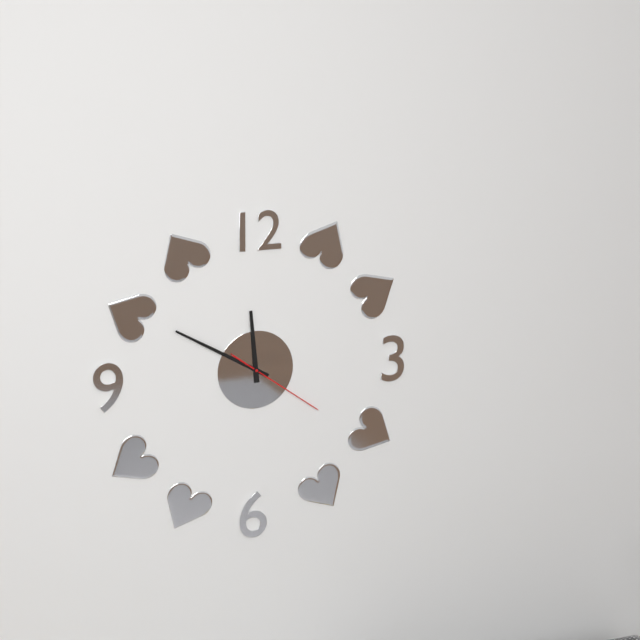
11.50.21
